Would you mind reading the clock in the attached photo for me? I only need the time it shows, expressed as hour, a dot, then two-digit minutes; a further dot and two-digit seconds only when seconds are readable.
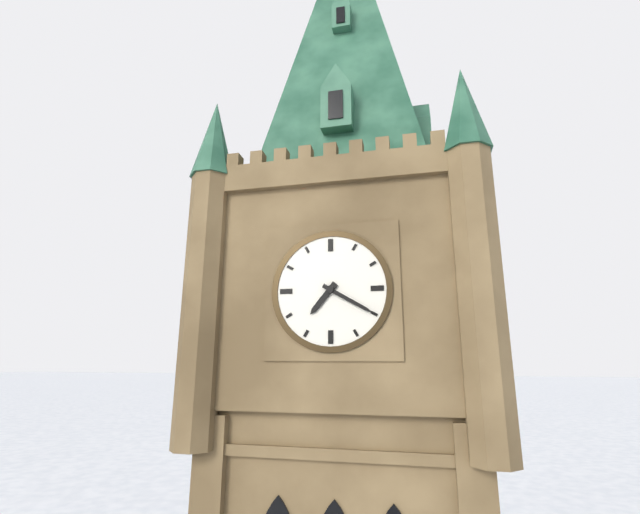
7.20
